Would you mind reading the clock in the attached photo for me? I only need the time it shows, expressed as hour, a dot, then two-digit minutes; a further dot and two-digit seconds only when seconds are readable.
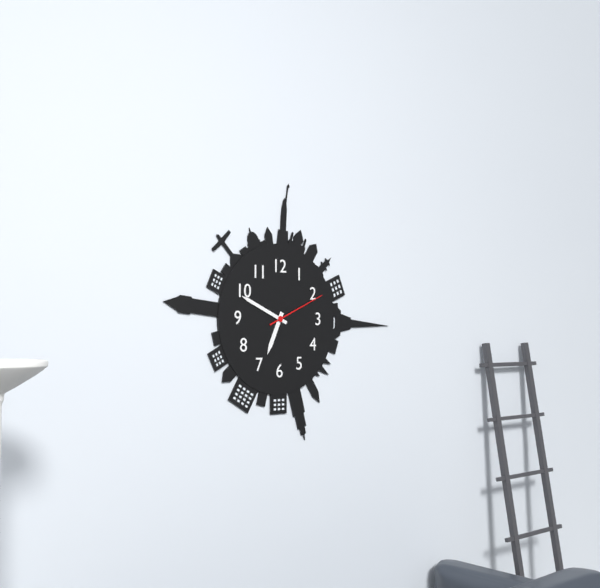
6.49.11
